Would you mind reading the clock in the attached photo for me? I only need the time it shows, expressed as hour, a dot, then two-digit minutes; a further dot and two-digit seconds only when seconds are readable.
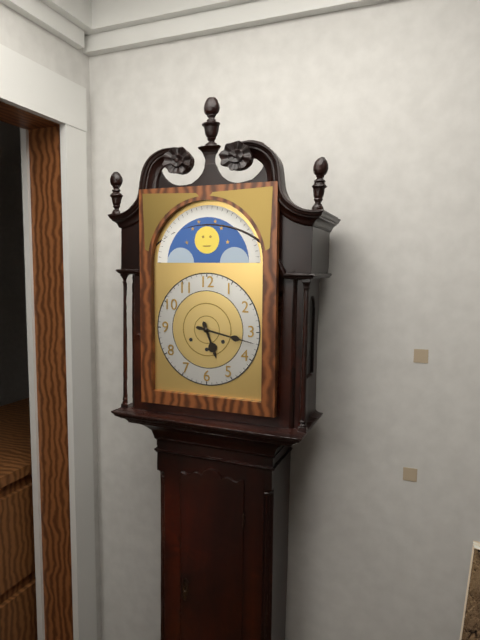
5.17
